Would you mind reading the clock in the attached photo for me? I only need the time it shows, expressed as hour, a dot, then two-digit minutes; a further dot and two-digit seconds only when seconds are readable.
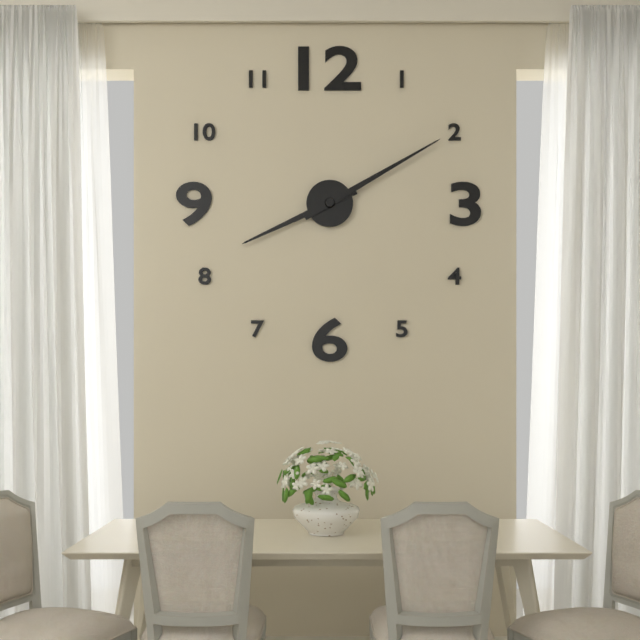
8.10
